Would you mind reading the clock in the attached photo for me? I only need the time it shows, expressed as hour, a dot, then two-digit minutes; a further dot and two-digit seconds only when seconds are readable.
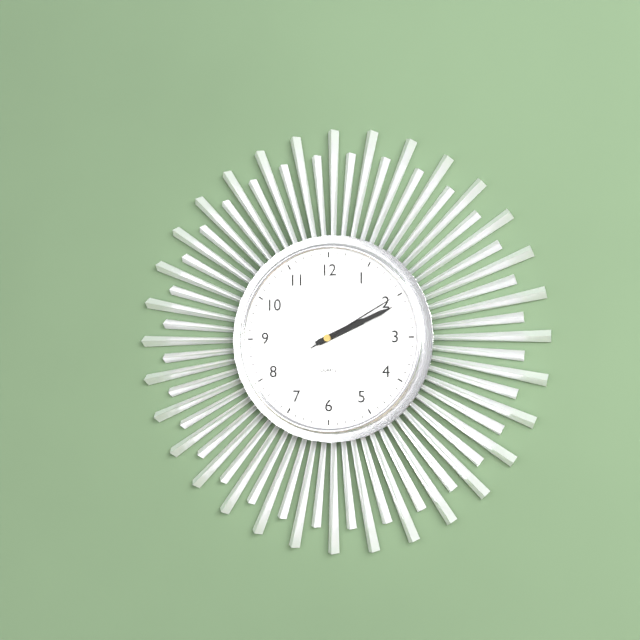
2.11.10
